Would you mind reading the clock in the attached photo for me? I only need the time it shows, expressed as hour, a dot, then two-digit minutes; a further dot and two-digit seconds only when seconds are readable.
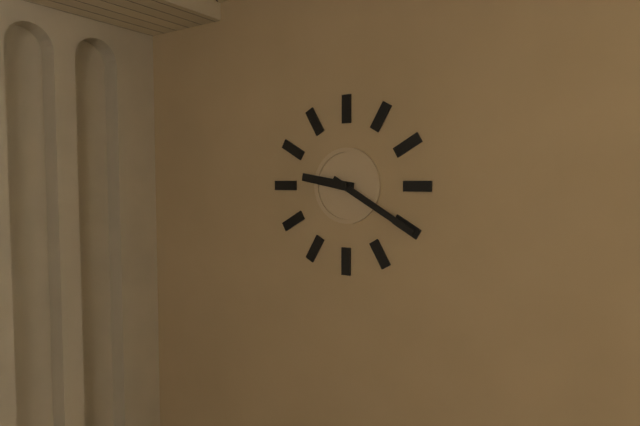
9.20
